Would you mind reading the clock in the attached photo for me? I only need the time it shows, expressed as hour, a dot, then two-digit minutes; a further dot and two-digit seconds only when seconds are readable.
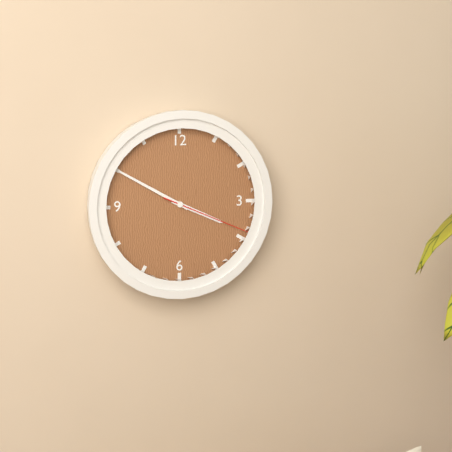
3.50.19
